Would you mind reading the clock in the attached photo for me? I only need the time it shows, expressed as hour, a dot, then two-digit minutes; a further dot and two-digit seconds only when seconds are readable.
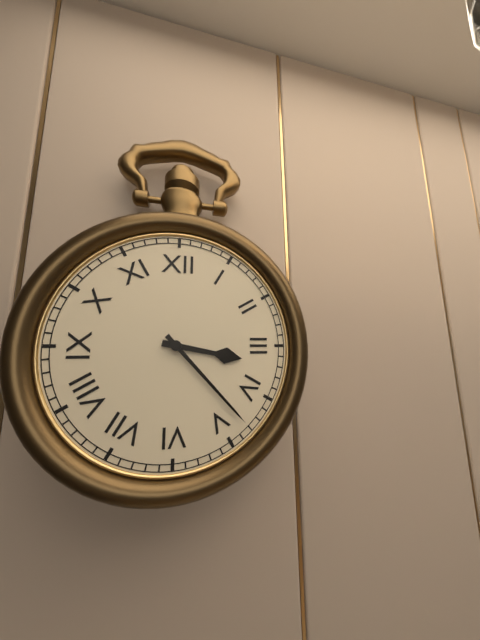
3.23
